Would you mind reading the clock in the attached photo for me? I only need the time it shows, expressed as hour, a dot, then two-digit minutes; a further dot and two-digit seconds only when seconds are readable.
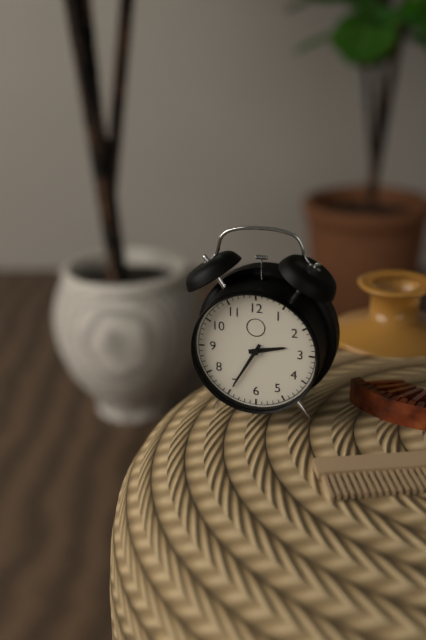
2.35
